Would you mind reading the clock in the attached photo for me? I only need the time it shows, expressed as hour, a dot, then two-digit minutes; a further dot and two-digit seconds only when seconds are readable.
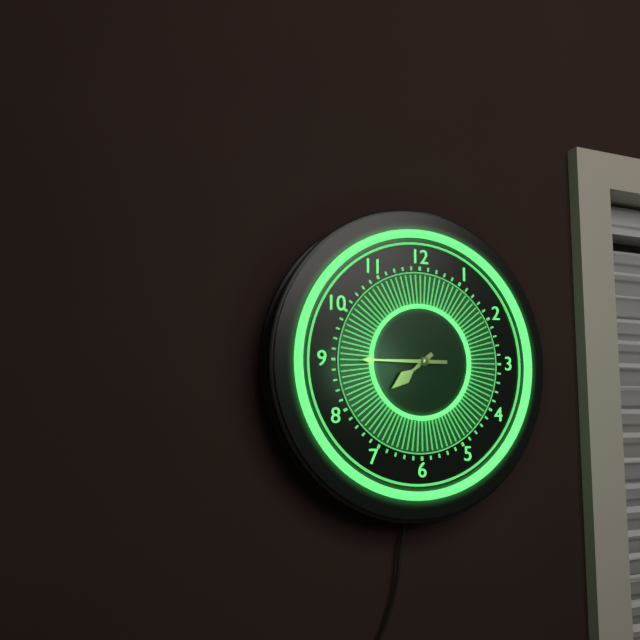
7.45
